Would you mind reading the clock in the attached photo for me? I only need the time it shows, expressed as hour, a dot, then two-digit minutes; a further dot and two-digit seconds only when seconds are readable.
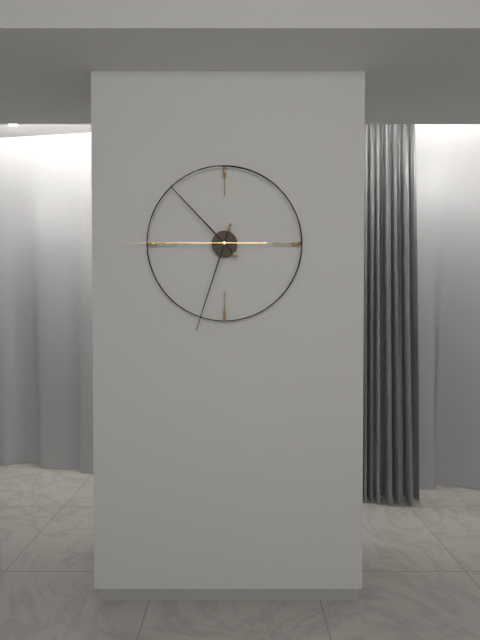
10.33.45
